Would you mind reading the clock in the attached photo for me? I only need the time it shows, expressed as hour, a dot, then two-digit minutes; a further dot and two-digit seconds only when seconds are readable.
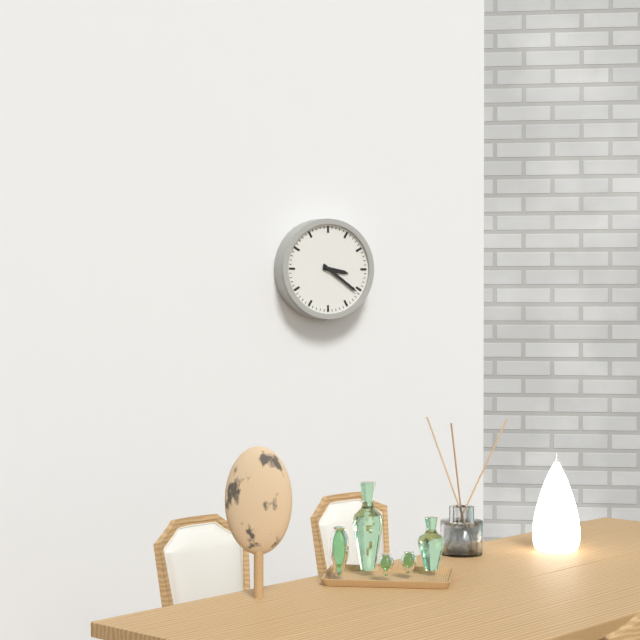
3.21
